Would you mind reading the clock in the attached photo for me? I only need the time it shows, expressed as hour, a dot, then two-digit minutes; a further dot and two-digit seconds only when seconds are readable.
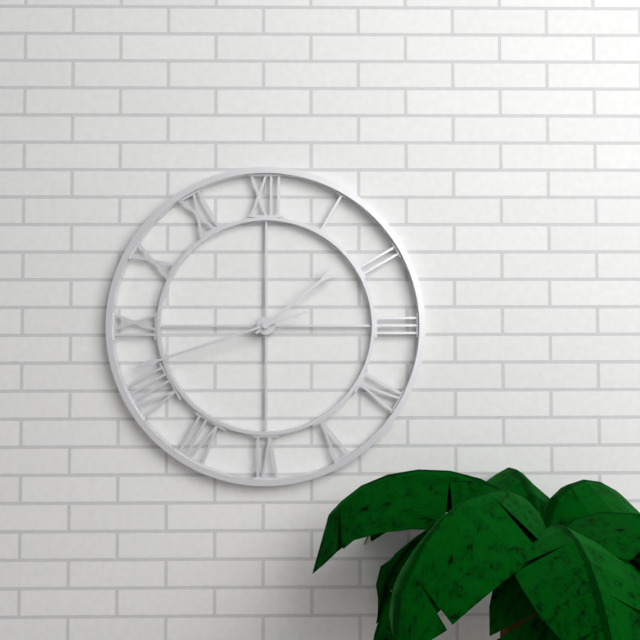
1.42
